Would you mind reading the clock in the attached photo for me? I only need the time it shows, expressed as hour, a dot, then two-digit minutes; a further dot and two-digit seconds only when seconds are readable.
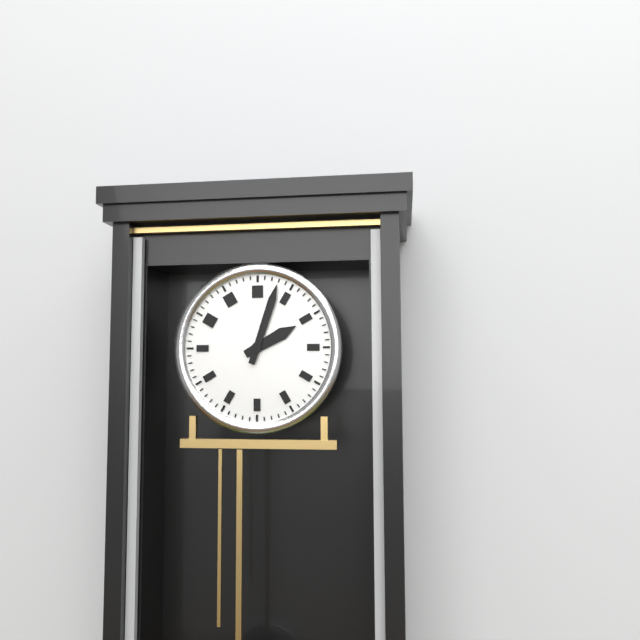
2.03
